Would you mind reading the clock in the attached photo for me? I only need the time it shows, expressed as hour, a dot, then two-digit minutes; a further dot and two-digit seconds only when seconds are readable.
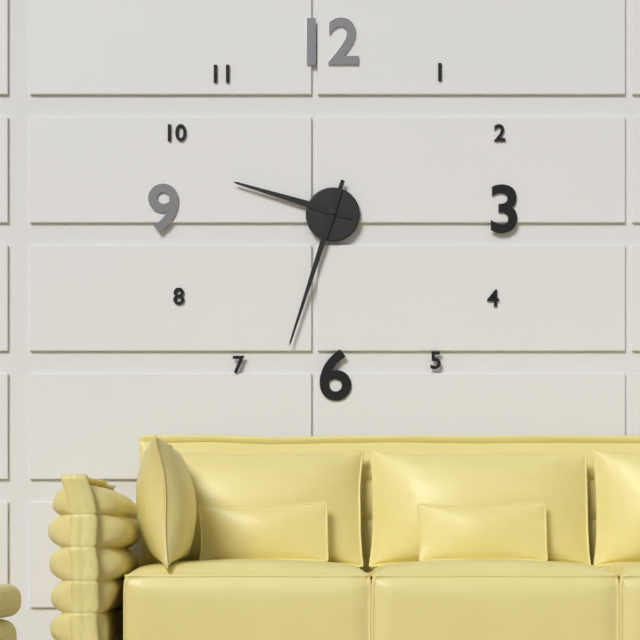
9.33
